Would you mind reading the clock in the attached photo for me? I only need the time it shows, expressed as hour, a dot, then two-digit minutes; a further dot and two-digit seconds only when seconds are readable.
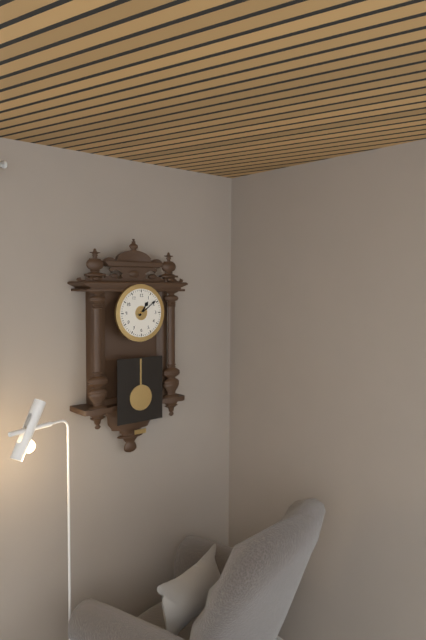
1.09
